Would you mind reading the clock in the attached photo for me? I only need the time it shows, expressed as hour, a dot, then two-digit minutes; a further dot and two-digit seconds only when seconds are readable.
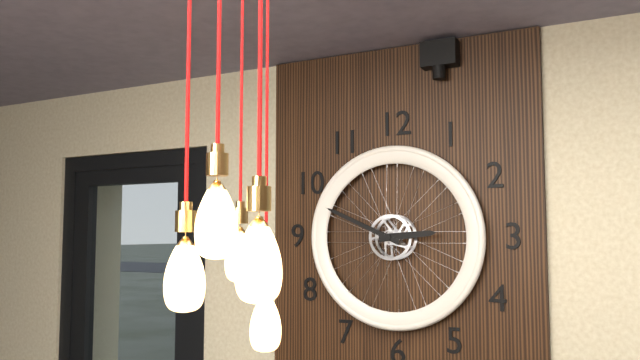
2.49
